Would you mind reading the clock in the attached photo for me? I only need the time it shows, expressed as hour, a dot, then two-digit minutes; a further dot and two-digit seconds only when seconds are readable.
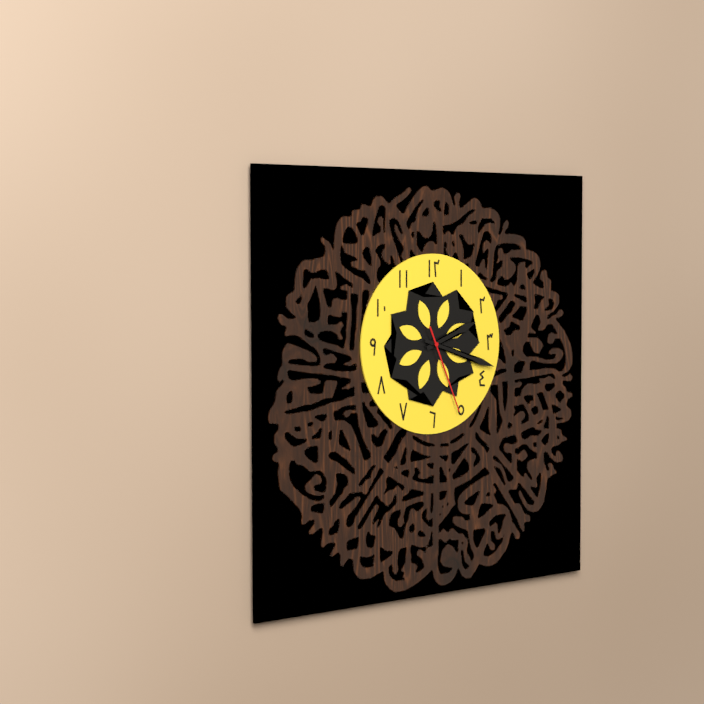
2.18.26
